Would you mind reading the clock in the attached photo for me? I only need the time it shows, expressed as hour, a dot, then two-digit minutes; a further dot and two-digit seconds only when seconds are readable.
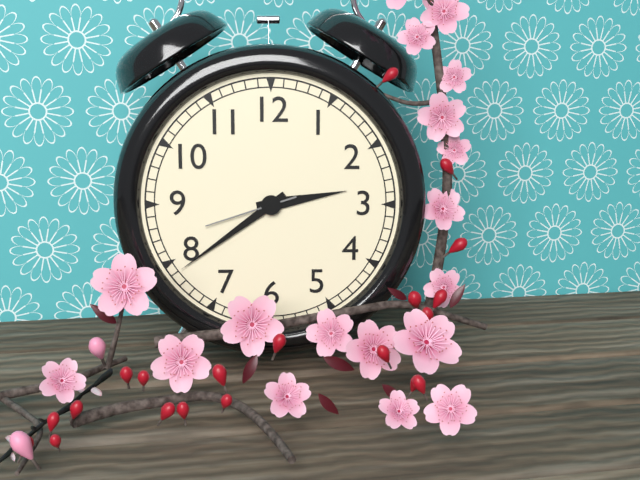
2.39.42
